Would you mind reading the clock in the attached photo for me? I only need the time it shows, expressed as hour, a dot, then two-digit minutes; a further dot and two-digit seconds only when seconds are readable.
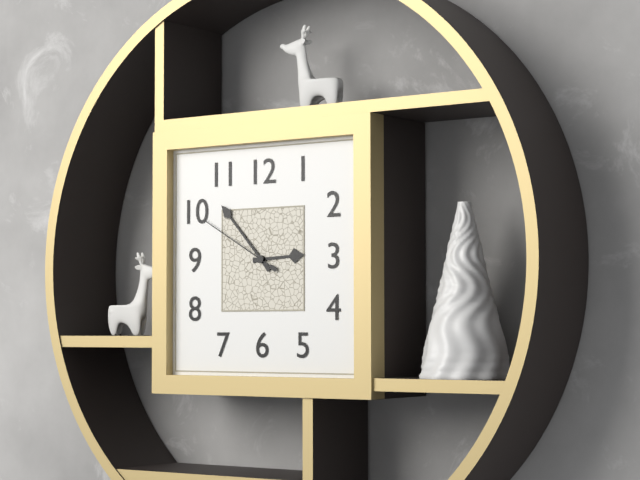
2.53.50
